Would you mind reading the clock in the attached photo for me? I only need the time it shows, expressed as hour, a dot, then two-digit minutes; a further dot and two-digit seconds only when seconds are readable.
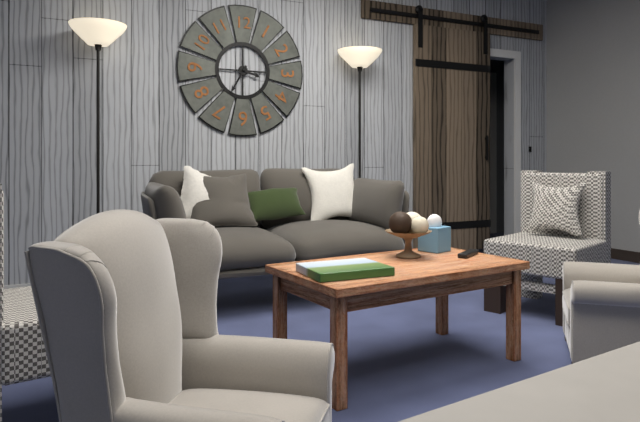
3.35
